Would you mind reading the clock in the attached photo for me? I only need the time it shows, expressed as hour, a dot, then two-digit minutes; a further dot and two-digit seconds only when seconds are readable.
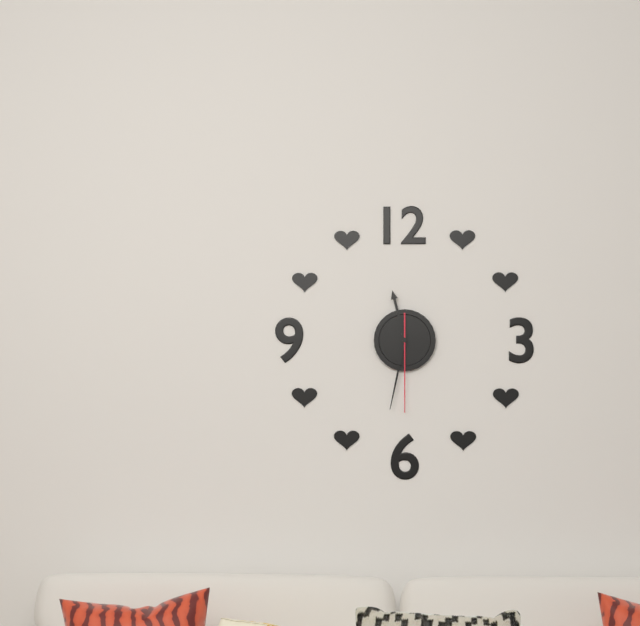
11.32.30
